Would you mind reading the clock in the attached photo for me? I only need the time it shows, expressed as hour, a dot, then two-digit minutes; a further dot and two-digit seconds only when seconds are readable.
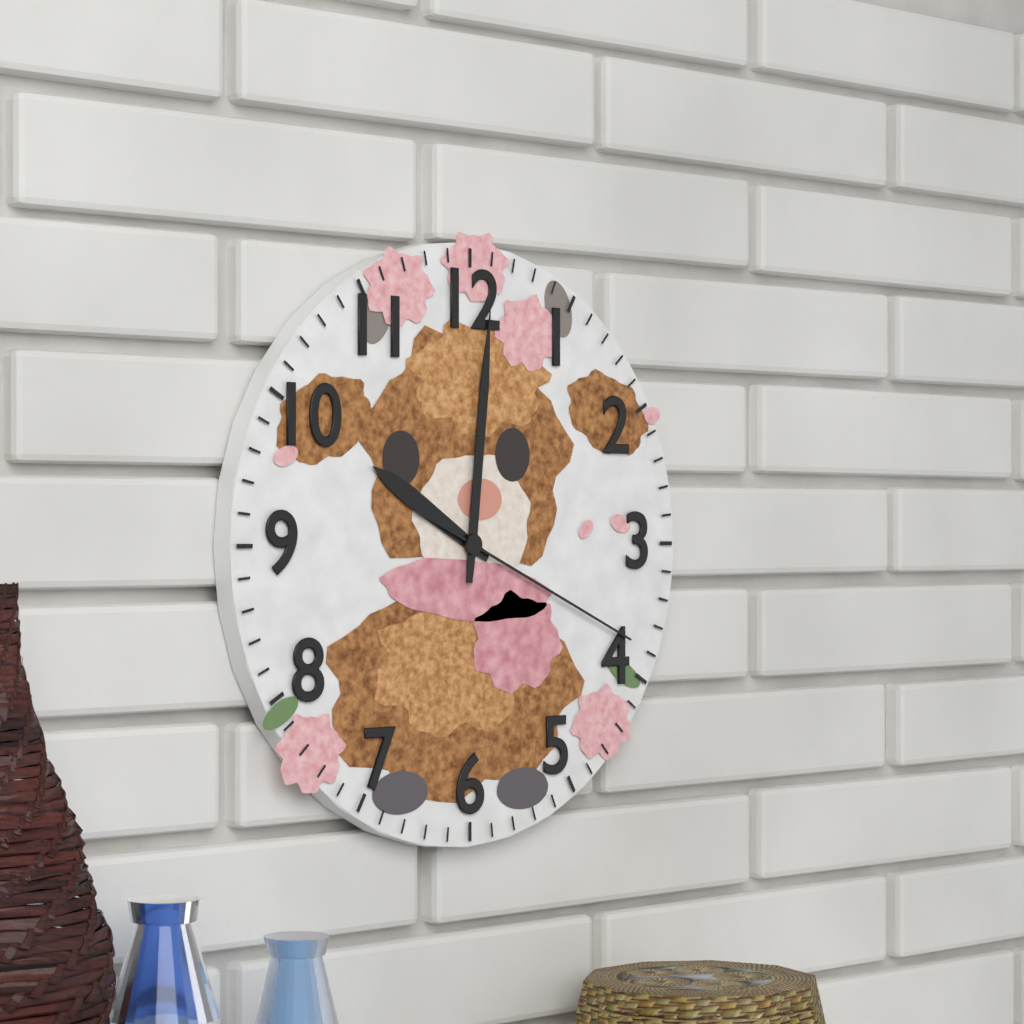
10.01.19
